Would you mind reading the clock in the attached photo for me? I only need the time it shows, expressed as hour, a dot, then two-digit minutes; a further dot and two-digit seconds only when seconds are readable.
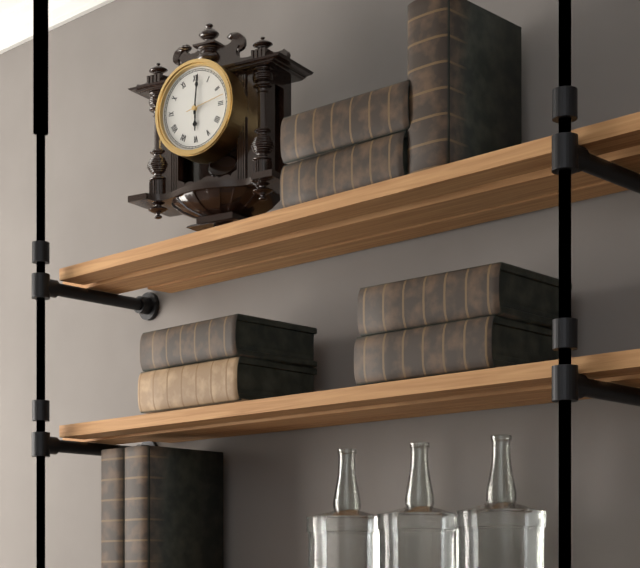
6.01
